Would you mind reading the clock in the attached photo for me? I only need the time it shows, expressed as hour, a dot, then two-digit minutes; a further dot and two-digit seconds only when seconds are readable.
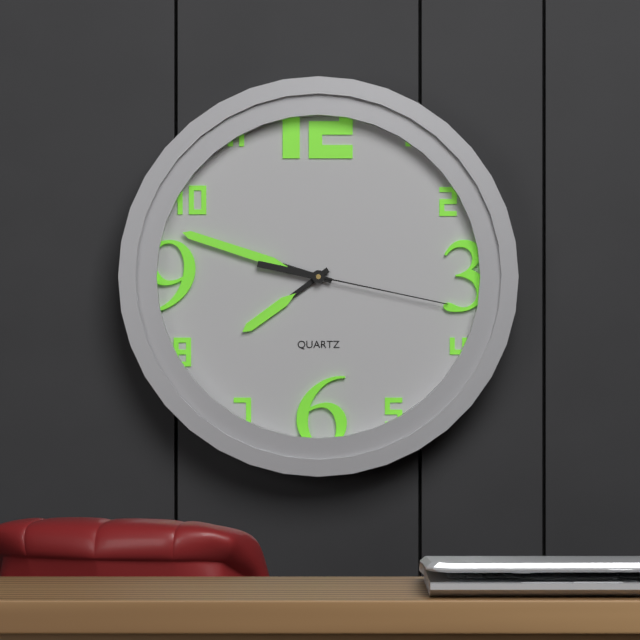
7.48.17
